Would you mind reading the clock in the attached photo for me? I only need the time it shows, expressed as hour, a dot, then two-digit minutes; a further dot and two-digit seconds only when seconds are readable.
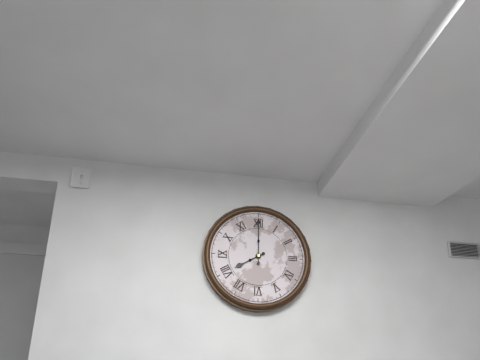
8.00
